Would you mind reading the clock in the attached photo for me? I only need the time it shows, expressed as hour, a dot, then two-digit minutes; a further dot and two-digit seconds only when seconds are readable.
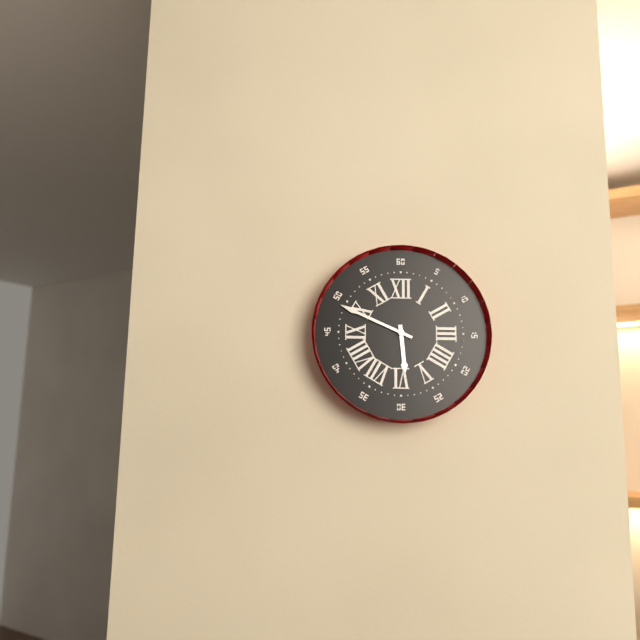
5.49
